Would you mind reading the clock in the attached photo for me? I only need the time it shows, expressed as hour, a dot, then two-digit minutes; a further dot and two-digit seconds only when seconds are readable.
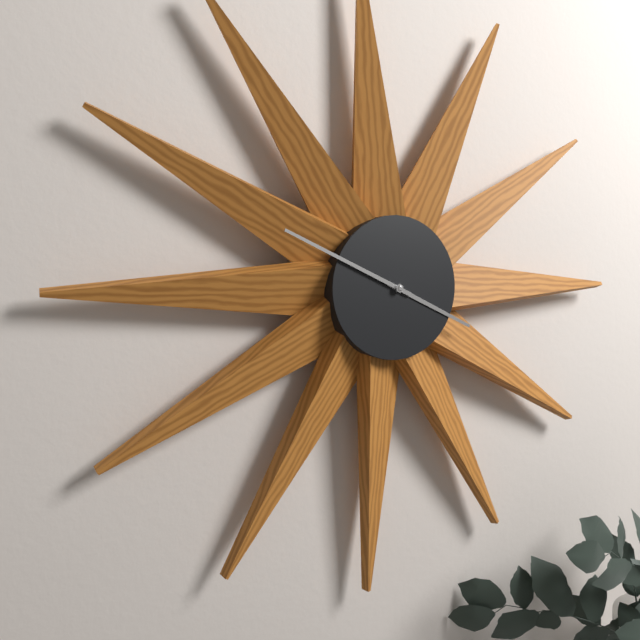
3.49
